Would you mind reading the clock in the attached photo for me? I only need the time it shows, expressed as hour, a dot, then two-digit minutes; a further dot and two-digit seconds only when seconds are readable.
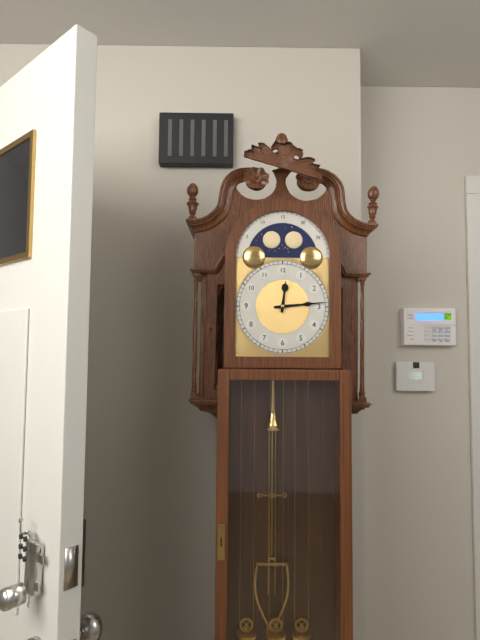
12.14
